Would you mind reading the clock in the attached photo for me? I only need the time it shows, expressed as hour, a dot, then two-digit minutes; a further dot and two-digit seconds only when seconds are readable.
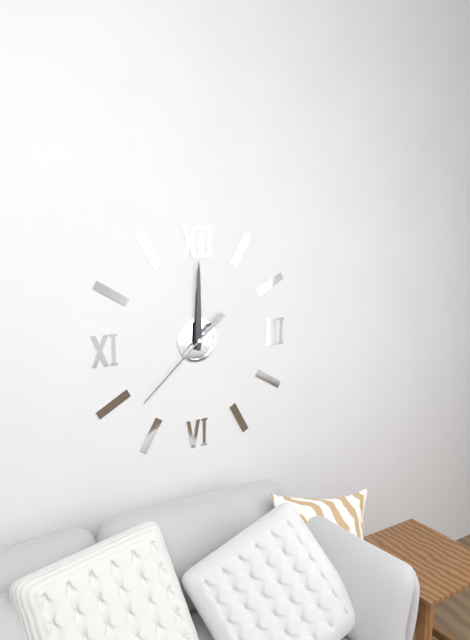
12.00.38
